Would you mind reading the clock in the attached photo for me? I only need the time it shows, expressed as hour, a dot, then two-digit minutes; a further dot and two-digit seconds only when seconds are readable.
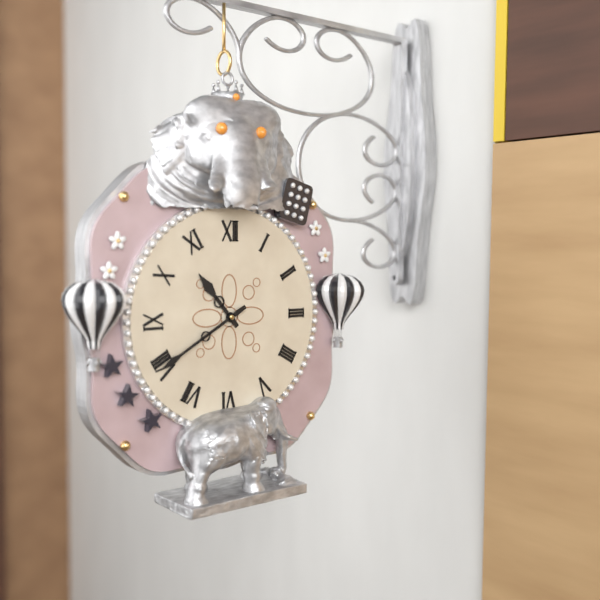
10.40
